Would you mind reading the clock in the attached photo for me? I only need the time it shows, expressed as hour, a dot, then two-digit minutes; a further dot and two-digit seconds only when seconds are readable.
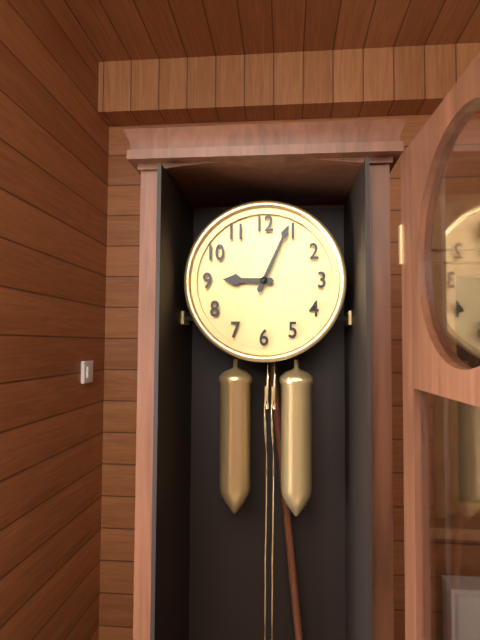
9.04
